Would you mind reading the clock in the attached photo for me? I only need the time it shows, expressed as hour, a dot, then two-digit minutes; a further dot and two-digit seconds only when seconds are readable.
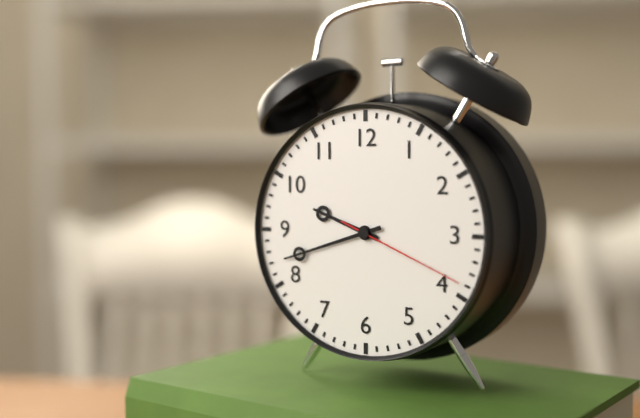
9.42.19
